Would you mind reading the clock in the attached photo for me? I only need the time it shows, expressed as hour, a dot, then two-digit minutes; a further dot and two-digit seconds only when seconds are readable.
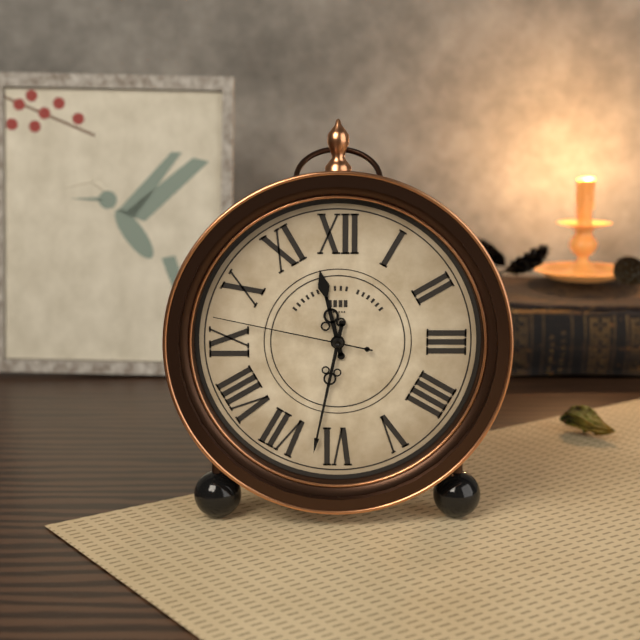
11.32.47
